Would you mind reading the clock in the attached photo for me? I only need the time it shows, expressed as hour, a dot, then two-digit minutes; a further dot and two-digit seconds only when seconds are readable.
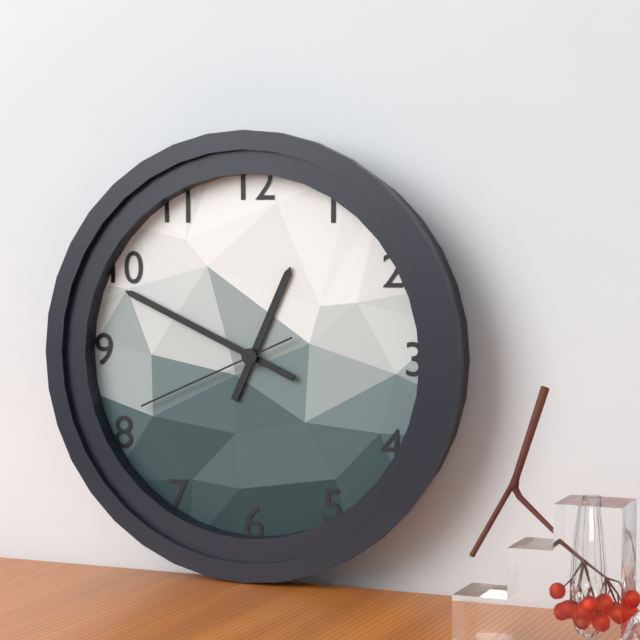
12.49.41
